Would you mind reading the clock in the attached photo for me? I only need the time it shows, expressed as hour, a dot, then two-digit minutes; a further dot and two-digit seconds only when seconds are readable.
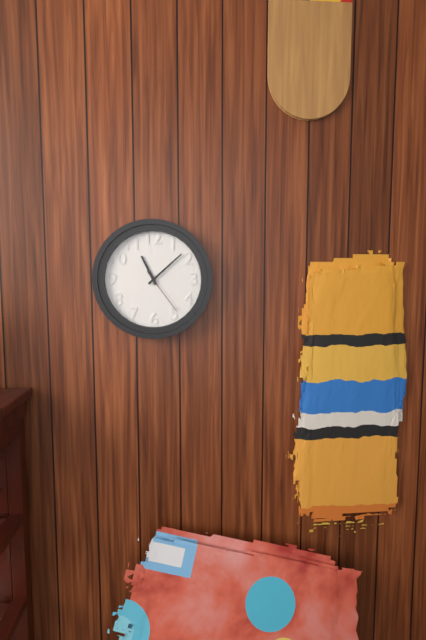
11.08
